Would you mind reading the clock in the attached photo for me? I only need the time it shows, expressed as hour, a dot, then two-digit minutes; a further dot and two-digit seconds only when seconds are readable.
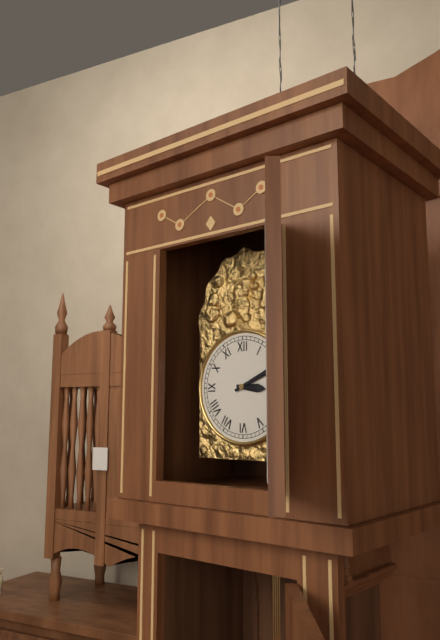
3.11
